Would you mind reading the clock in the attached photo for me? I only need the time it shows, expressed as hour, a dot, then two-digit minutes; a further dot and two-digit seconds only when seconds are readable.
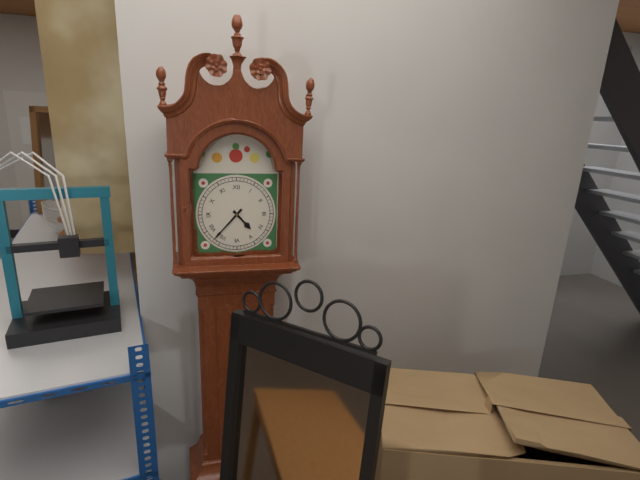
4.37
